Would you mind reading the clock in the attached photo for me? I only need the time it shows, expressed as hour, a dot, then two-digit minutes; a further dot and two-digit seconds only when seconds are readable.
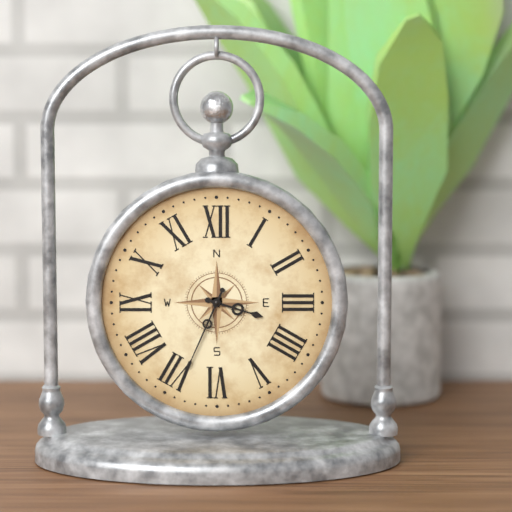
3.34
